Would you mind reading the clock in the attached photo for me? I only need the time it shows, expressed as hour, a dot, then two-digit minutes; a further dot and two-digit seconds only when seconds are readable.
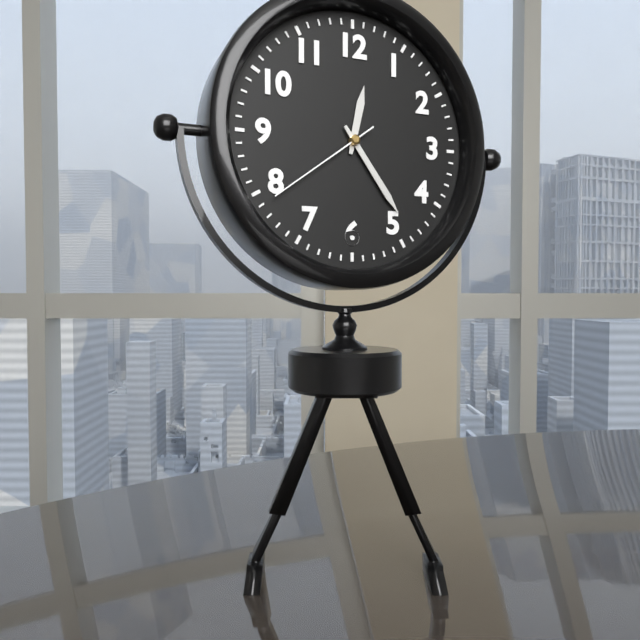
12.24.39
